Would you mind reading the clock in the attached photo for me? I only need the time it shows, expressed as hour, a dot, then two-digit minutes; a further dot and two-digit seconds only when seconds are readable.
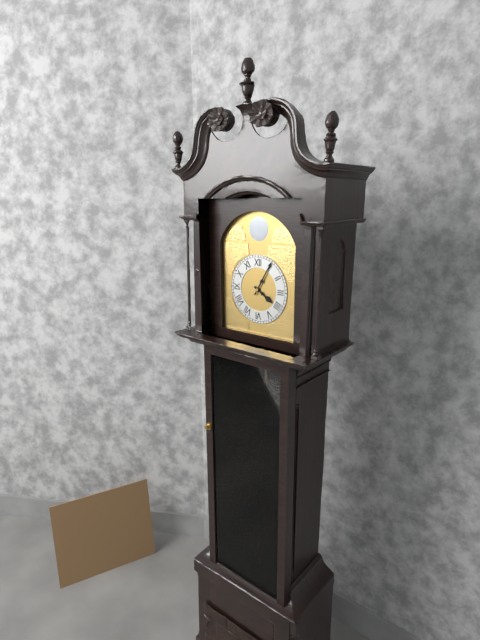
4.05
